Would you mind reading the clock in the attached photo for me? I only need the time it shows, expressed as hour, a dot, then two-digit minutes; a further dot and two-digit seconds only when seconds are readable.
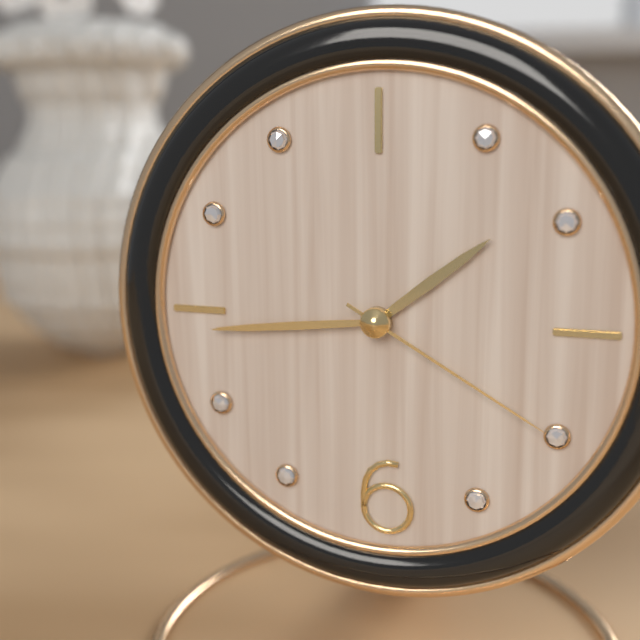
1.44.20
